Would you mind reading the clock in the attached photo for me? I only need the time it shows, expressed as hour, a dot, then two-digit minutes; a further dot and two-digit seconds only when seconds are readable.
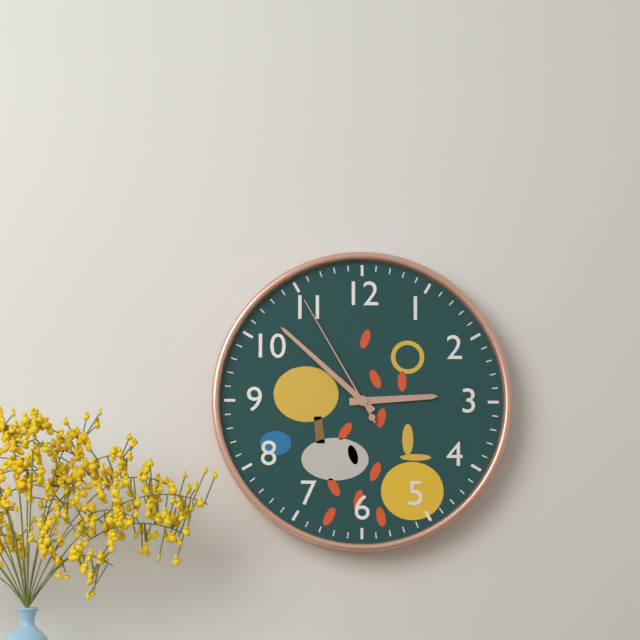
2.52.55
